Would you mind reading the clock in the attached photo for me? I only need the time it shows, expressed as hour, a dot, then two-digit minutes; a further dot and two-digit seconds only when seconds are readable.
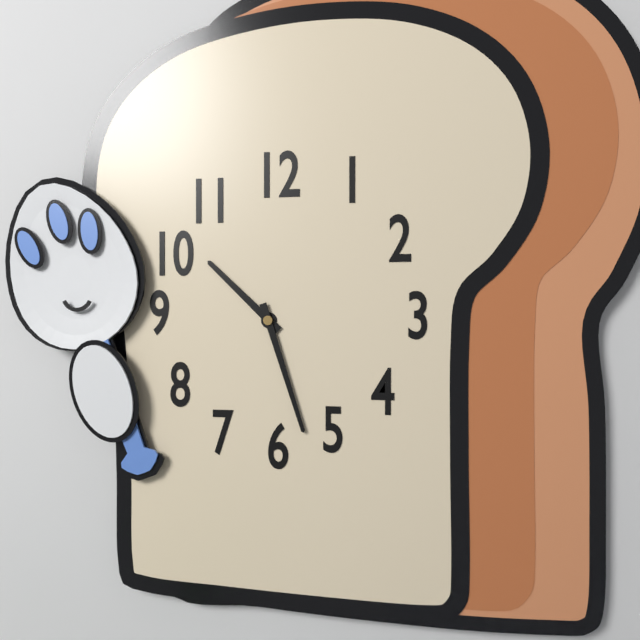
10.27
